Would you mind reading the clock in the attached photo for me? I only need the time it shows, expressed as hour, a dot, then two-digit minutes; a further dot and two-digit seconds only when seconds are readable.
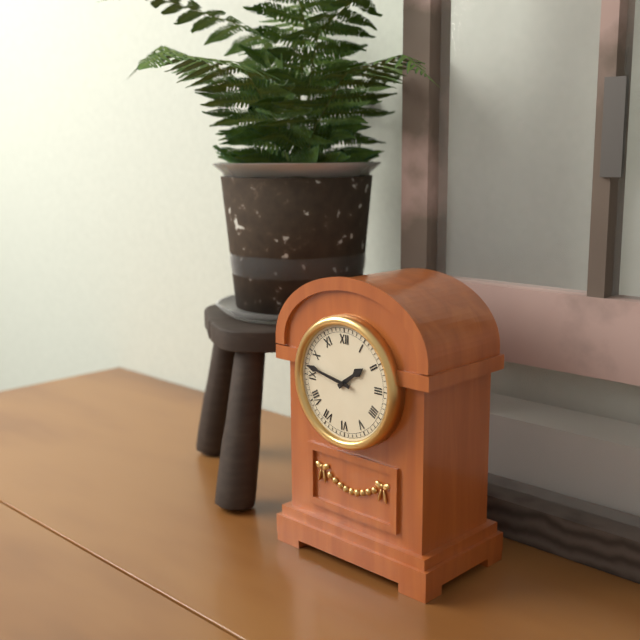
1.47
